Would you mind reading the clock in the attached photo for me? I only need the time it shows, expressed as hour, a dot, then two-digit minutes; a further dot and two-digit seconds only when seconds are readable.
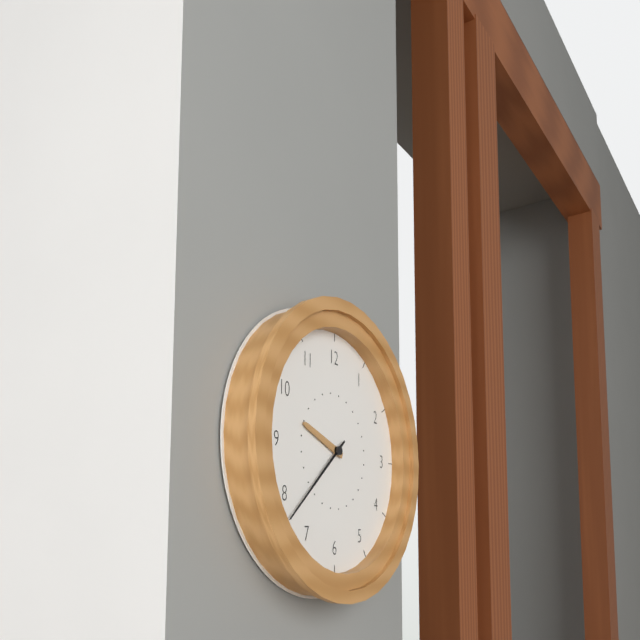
9.38
